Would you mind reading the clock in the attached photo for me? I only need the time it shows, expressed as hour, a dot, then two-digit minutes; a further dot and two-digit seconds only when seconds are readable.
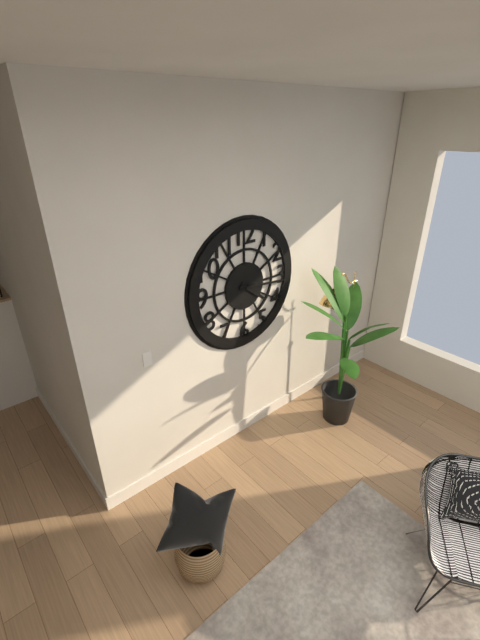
4.16
